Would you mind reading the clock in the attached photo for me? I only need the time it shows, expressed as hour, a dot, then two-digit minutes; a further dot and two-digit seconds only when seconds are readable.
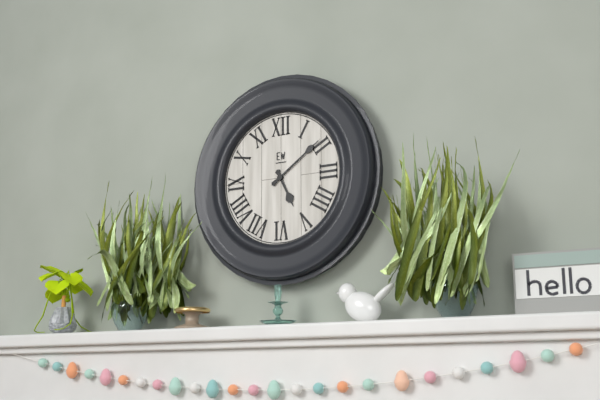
5.09
